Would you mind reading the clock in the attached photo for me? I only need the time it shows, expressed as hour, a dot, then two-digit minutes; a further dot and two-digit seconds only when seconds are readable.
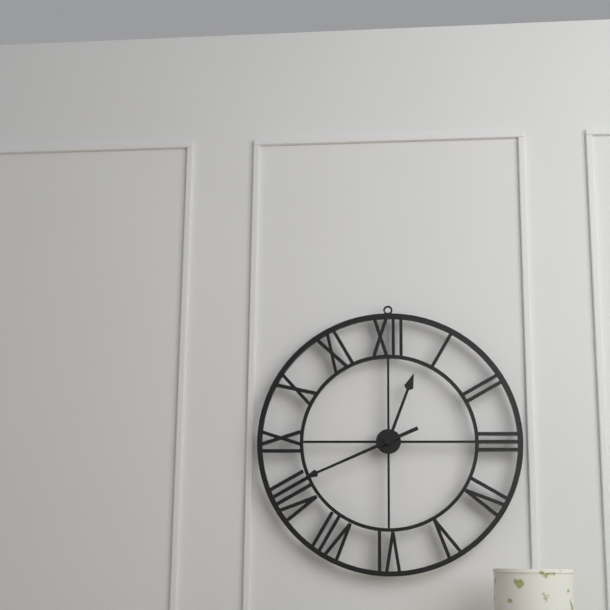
12.41
